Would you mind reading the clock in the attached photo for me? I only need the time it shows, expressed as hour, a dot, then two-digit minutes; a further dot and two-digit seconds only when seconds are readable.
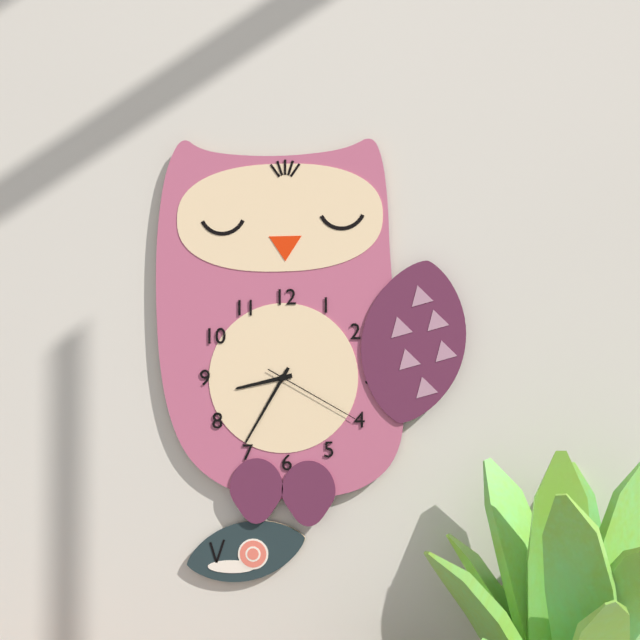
8.35.20
